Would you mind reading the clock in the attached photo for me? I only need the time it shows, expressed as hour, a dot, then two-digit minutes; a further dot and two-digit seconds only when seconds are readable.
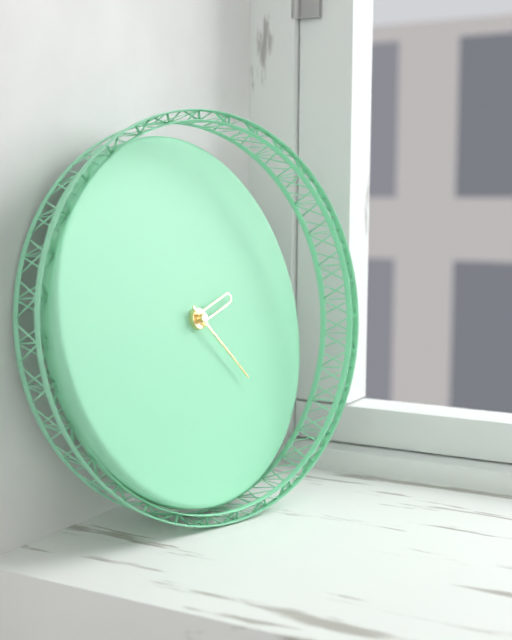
2.23
